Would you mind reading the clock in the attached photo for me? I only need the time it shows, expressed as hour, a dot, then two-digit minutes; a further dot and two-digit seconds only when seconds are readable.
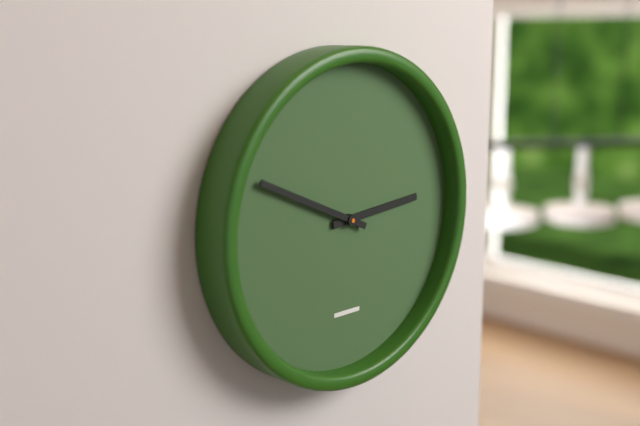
2.49
